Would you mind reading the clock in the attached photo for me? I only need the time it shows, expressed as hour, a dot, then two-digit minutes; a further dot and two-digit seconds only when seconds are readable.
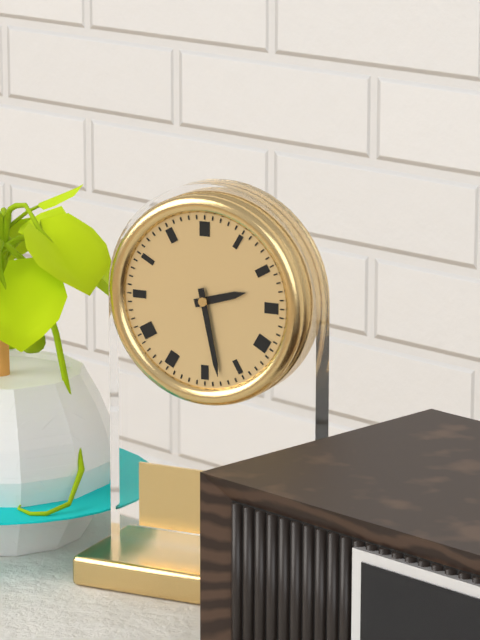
2.28
